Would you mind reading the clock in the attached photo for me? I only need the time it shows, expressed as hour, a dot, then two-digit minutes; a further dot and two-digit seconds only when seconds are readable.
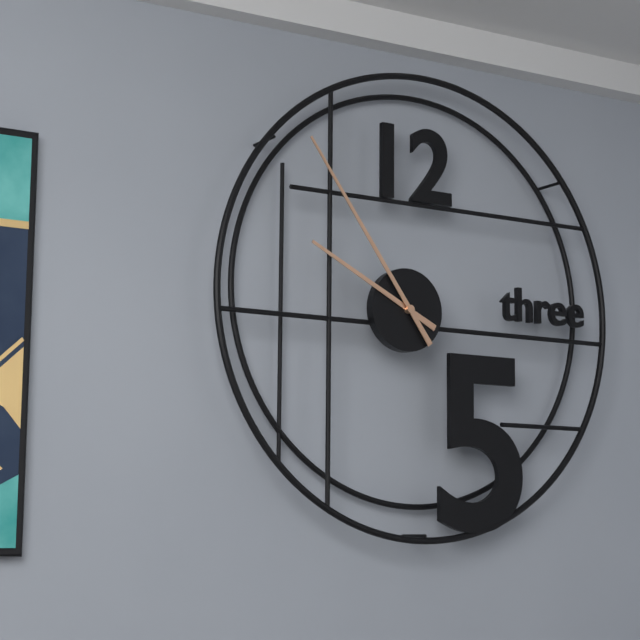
9.54
